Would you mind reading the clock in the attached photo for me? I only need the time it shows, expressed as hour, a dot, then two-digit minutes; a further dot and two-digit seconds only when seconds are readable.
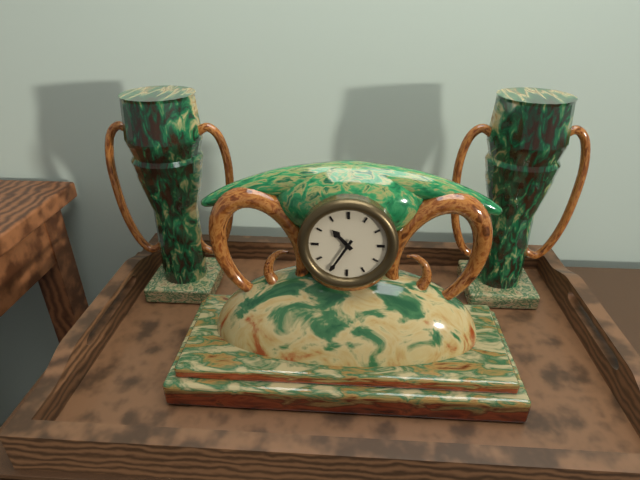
10.35
